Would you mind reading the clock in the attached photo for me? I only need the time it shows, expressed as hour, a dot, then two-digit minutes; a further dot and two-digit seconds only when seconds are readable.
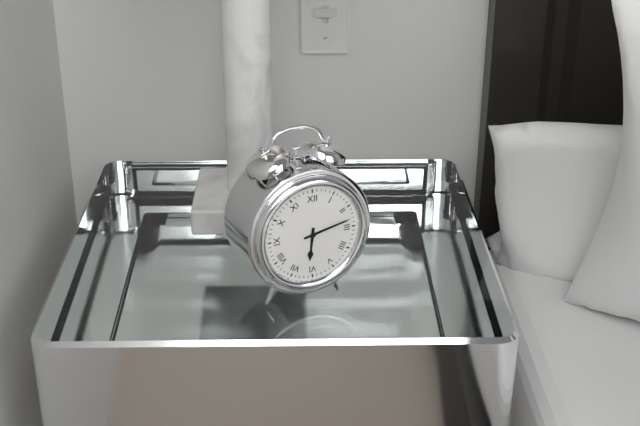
6.13
